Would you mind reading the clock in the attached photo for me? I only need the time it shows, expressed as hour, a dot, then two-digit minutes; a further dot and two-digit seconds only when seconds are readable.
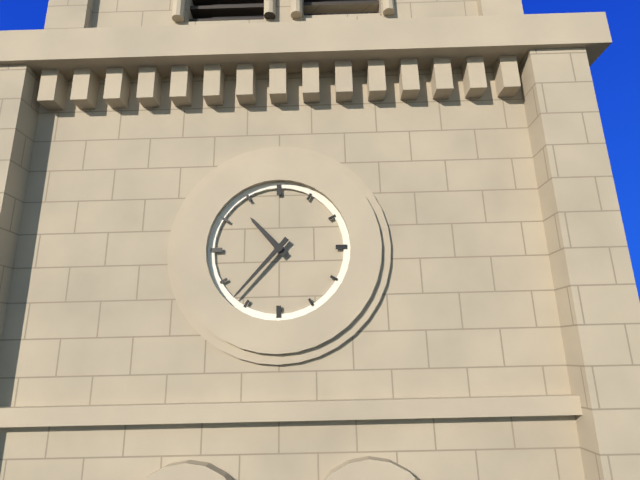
10.37
